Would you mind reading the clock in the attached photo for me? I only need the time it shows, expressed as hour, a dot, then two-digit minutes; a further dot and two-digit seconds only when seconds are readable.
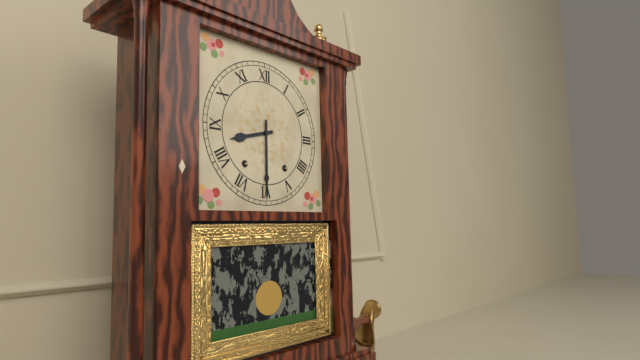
8.30
